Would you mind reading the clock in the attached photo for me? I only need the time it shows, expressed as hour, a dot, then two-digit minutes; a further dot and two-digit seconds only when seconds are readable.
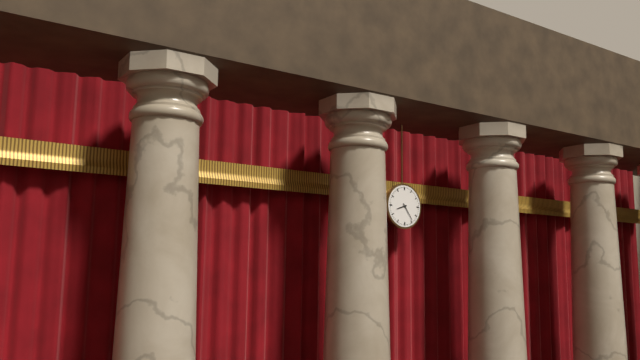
8.24
